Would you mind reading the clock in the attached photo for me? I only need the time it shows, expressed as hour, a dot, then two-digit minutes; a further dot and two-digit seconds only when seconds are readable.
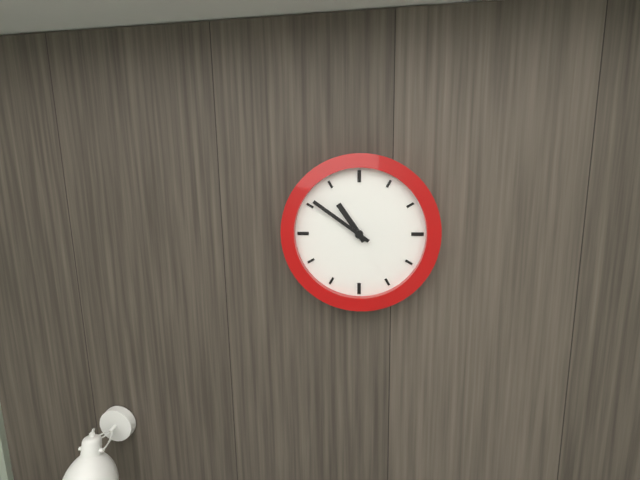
10.51
